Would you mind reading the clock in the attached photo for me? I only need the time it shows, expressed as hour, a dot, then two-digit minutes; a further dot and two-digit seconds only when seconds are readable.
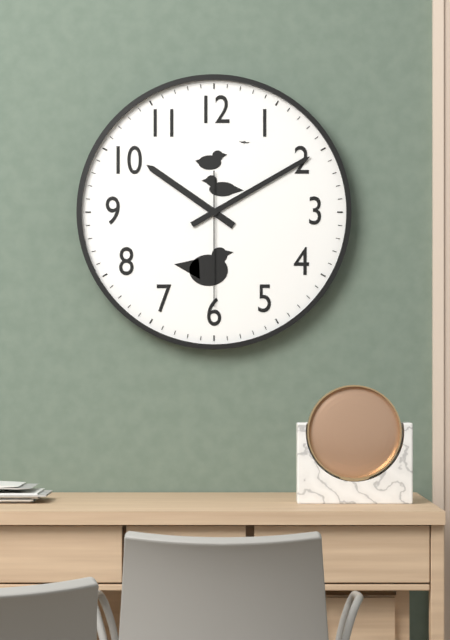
10.10.30
